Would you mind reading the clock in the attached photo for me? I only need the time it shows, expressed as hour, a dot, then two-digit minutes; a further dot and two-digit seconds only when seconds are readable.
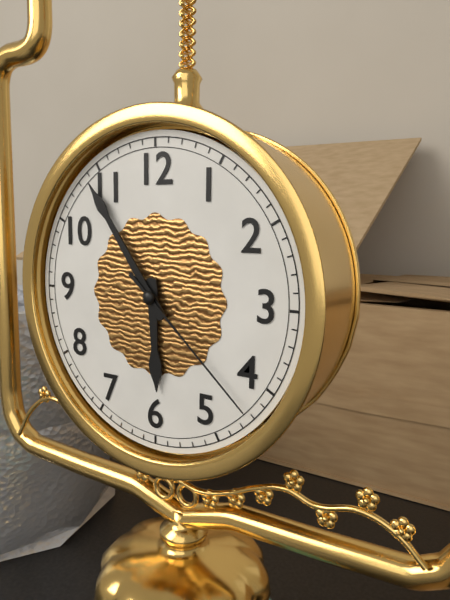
5.54.22
